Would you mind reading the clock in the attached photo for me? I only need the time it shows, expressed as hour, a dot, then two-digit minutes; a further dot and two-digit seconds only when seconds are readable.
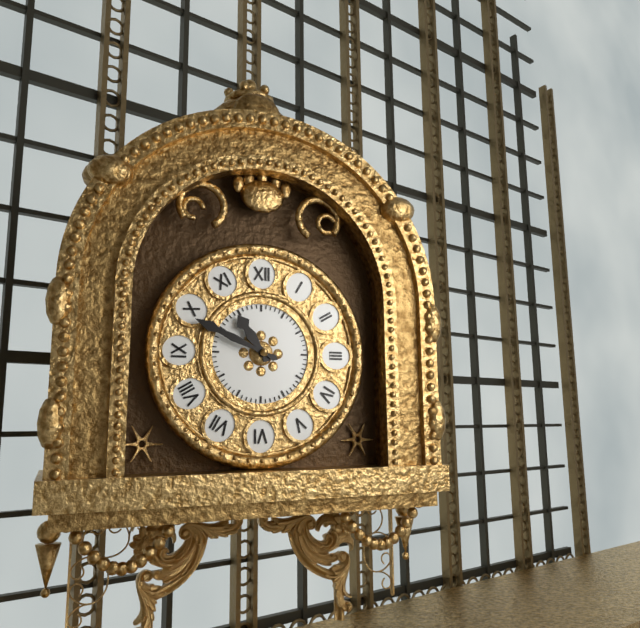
10.49
